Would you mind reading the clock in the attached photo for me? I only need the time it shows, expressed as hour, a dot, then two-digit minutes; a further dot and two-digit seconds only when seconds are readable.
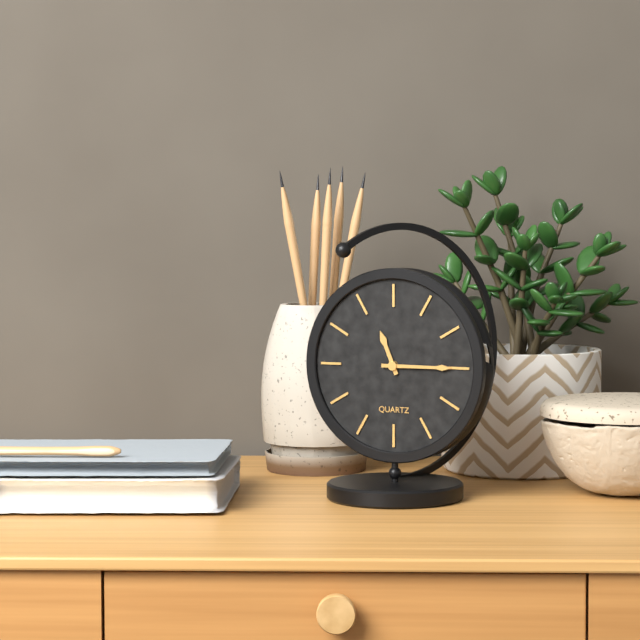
11.15
